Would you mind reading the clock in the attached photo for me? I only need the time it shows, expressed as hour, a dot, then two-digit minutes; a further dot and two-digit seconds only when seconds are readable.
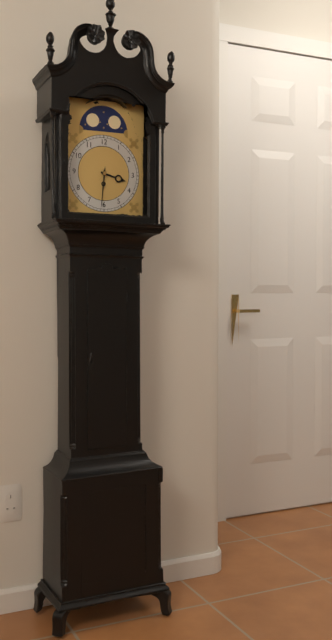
3.31
